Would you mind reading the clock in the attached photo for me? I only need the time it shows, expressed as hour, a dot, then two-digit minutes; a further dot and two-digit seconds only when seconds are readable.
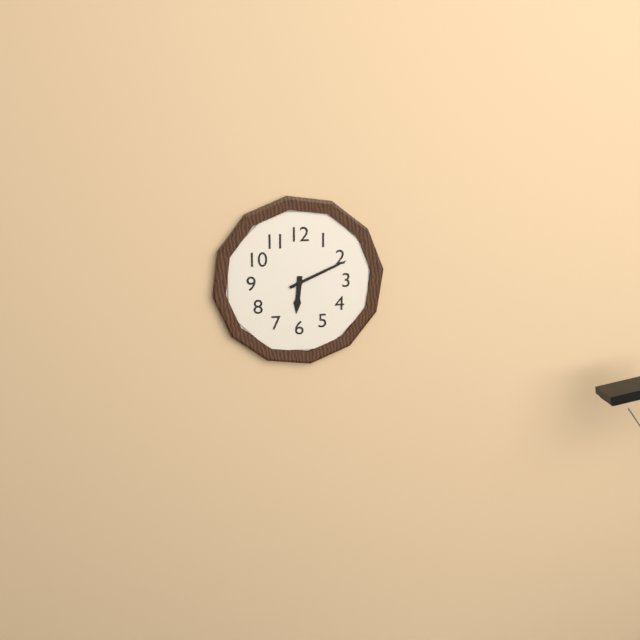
6.11
